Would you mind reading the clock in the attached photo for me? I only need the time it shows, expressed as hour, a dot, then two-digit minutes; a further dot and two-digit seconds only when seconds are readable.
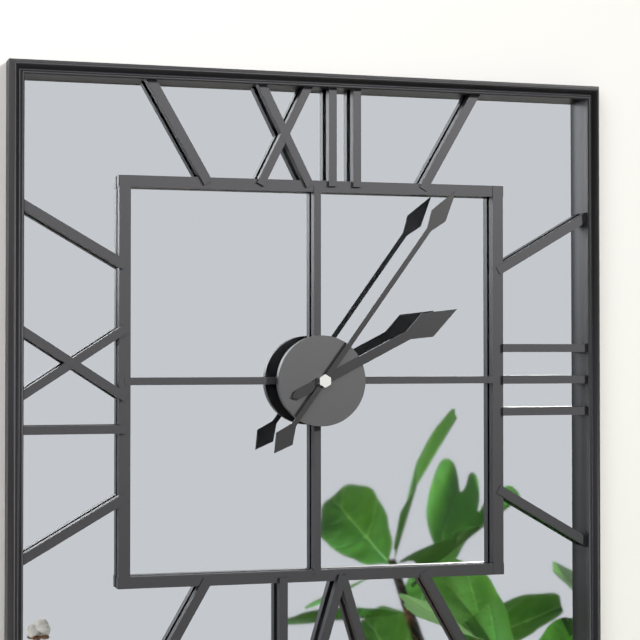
2.06
